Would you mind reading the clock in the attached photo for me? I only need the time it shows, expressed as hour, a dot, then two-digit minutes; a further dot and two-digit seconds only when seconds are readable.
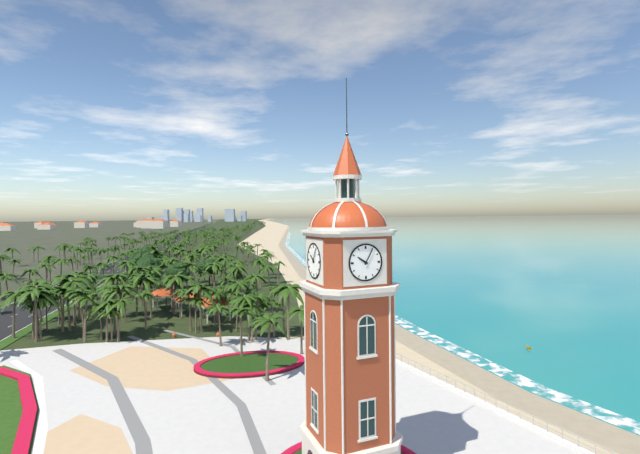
10.05
